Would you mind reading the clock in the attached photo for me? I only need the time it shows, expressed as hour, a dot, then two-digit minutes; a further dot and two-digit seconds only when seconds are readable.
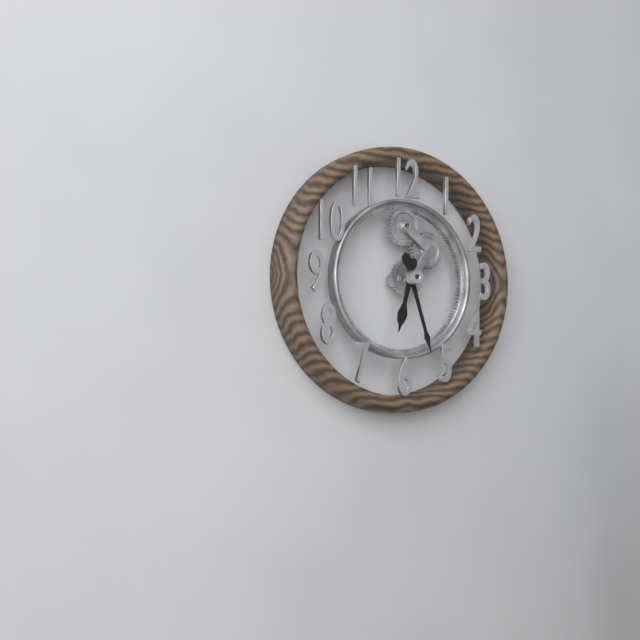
6.27
